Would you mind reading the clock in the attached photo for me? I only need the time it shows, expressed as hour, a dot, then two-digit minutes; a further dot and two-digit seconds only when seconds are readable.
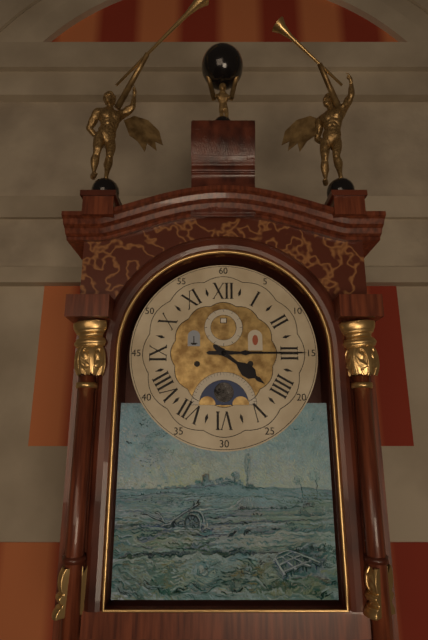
4.15
